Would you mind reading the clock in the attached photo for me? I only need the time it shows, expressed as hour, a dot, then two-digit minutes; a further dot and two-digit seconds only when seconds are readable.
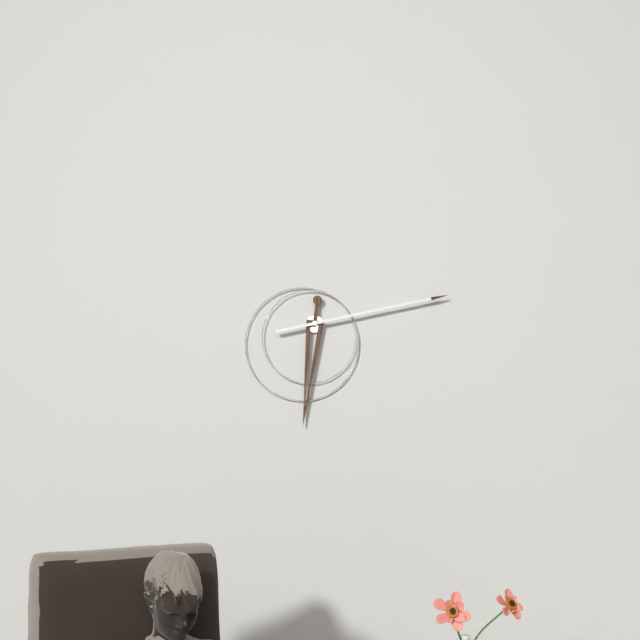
6.13
